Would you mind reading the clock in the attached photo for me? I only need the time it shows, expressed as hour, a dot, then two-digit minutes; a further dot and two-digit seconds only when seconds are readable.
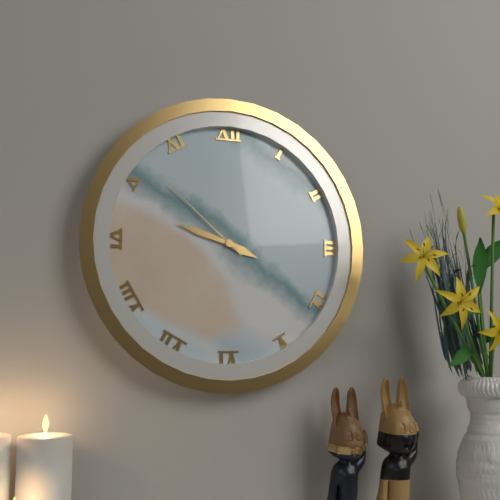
3.48.52
